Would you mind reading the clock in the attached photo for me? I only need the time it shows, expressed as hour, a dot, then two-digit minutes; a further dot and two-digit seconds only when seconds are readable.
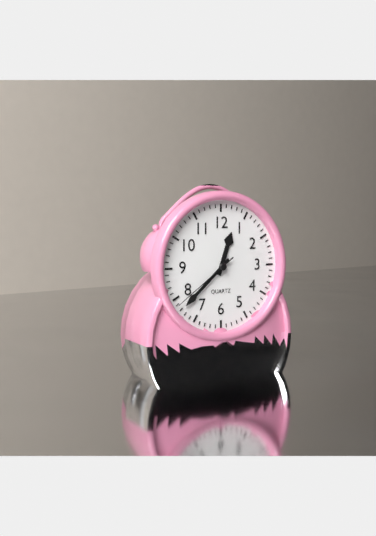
12.38.39
